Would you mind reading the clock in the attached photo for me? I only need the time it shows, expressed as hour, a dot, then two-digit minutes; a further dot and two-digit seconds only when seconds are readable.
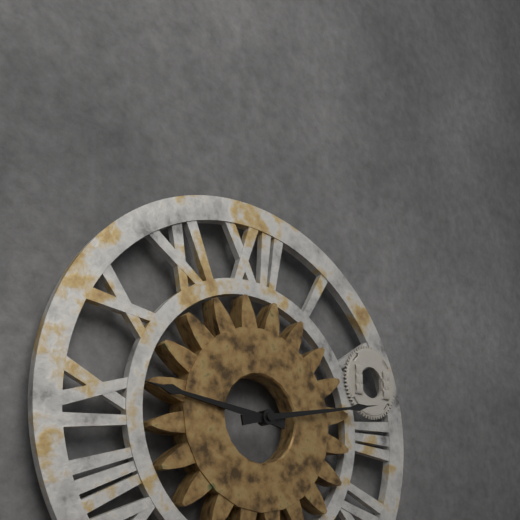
9.13
